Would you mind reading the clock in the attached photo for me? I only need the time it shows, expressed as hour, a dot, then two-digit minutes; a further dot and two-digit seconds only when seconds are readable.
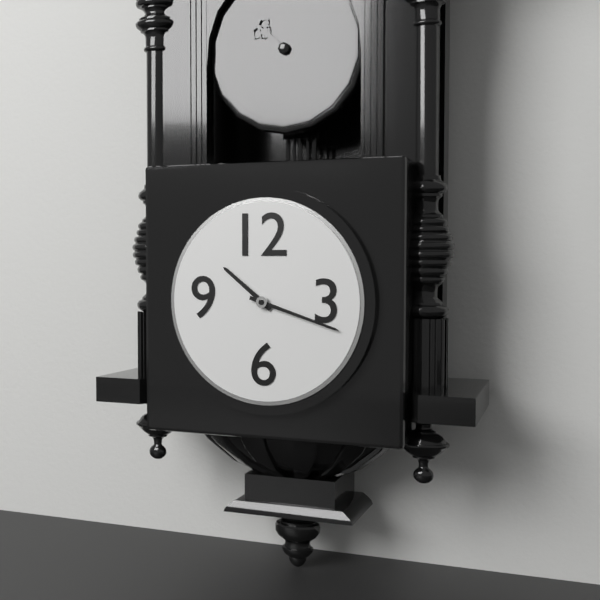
10.18
